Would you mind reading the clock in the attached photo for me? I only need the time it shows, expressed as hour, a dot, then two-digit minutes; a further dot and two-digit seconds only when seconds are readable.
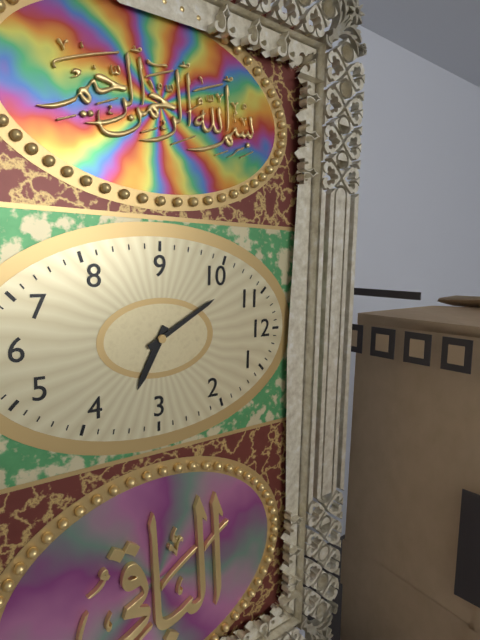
3.55
